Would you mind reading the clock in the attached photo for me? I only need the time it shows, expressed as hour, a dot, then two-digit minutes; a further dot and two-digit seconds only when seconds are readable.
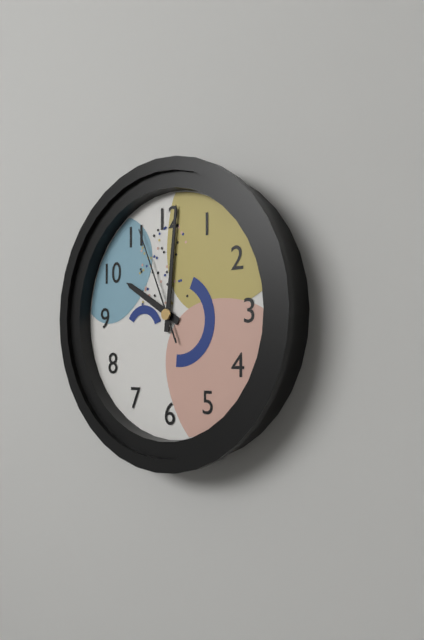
10.01.56
